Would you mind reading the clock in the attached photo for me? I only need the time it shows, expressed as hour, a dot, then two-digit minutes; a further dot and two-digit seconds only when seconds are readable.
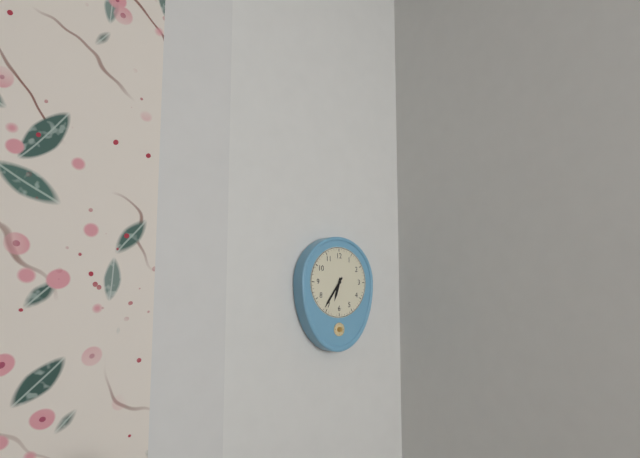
6.36
